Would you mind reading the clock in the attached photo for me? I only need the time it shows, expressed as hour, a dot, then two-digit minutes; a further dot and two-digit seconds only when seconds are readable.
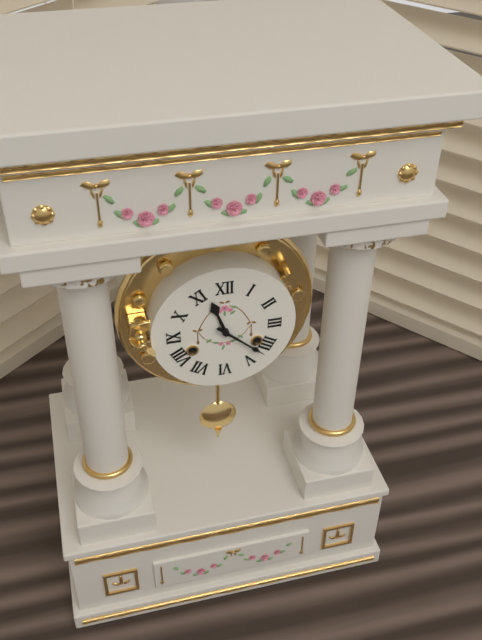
11.22
